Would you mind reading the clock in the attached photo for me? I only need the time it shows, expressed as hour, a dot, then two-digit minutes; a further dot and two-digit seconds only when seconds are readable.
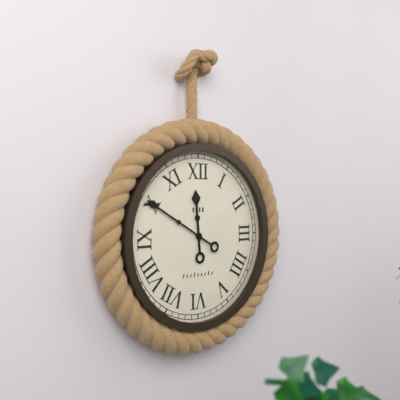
11.50
